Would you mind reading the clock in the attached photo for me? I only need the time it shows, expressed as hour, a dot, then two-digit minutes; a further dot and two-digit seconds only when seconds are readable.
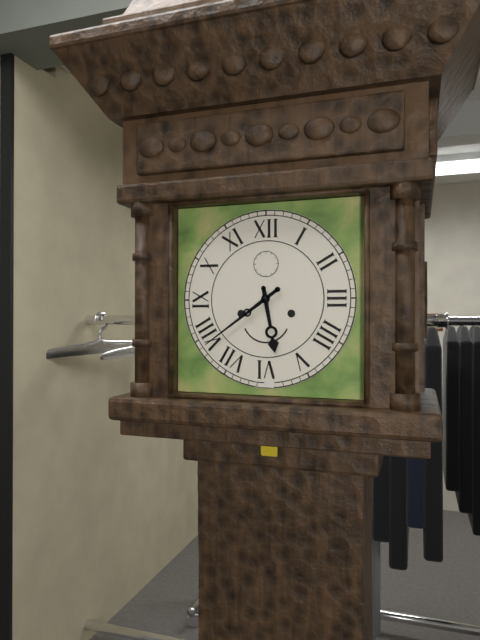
5.39
